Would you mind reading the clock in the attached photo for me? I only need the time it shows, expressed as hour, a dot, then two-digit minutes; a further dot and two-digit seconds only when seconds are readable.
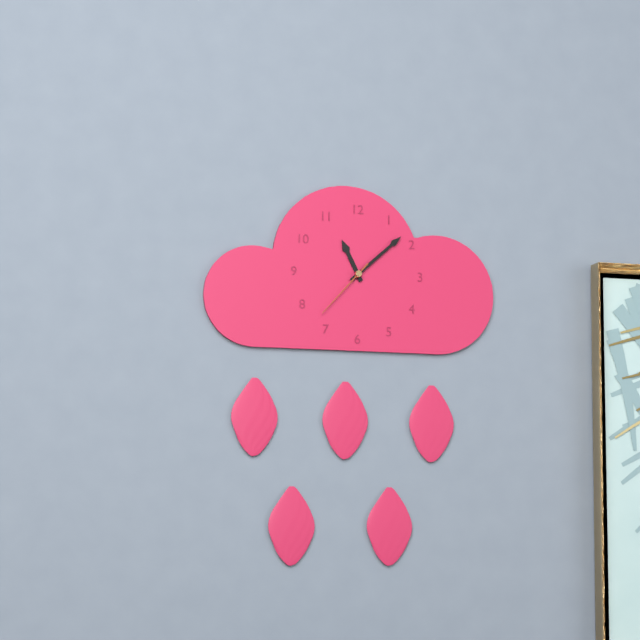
11.08.37
